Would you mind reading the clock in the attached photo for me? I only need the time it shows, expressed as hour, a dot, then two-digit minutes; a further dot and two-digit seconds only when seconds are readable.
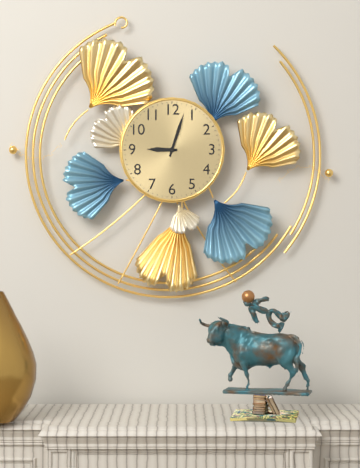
9.03
